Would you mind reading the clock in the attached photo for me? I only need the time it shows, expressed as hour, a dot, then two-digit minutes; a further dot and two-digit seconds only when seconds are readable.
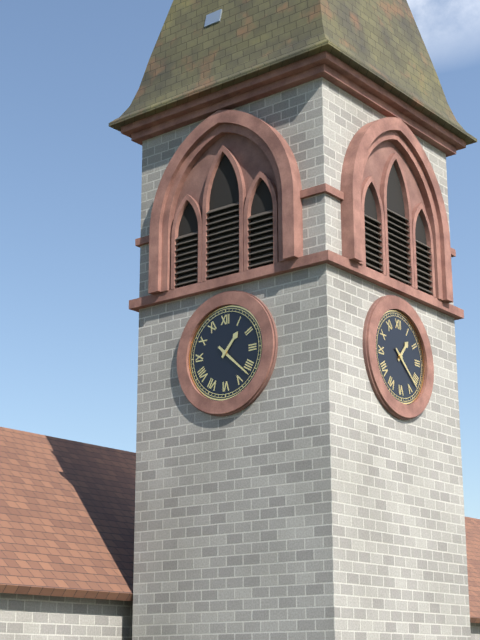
1.22
